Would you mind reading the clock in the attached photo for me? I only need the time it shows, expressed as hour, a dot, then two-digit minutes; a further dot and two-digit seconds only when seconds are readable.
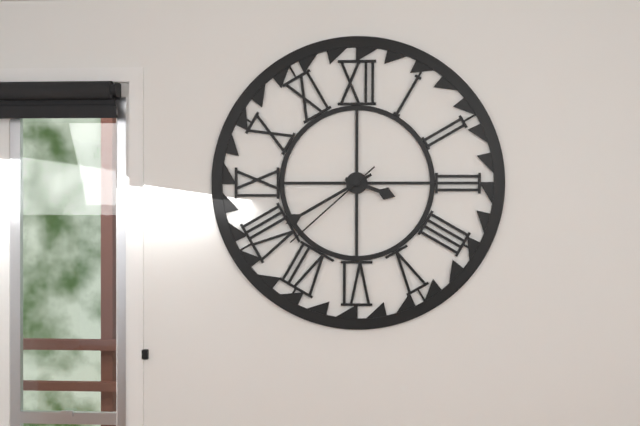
3.40.38
